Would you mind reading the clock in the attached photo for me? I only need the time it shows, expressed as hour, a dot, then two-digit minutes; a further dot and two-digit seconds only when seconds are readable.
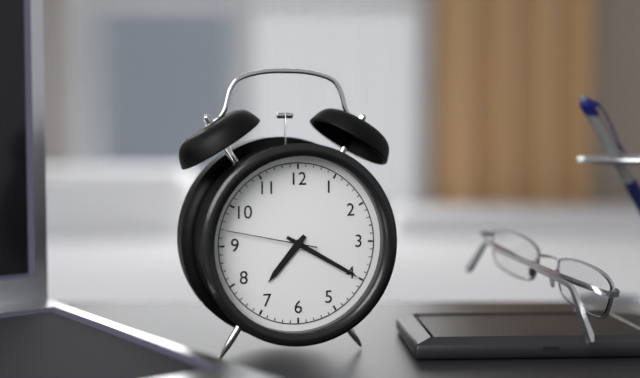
7.20.47
